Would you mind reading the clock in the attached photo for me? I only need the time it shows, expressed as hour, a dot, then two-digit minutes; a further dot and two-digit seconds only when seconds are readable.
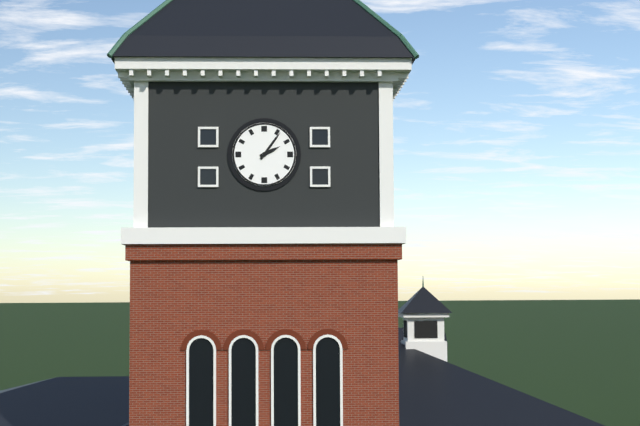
2.06
